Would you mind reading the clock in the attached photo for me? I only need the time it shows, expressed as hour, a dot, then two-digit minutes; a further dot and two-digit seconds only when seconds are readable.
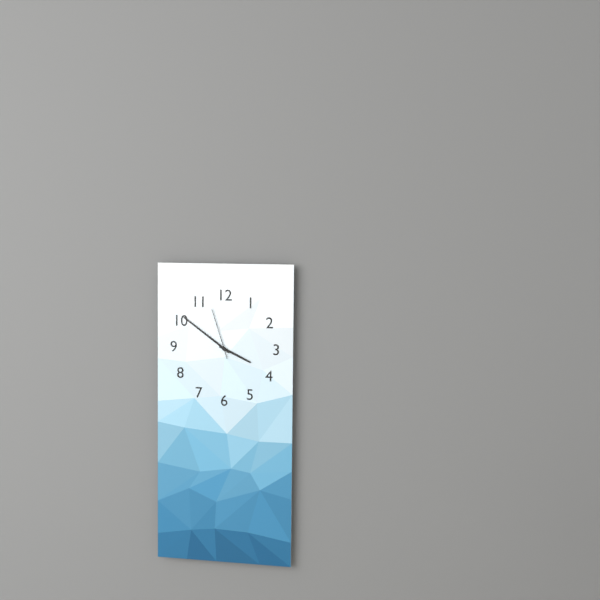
3.51.57
